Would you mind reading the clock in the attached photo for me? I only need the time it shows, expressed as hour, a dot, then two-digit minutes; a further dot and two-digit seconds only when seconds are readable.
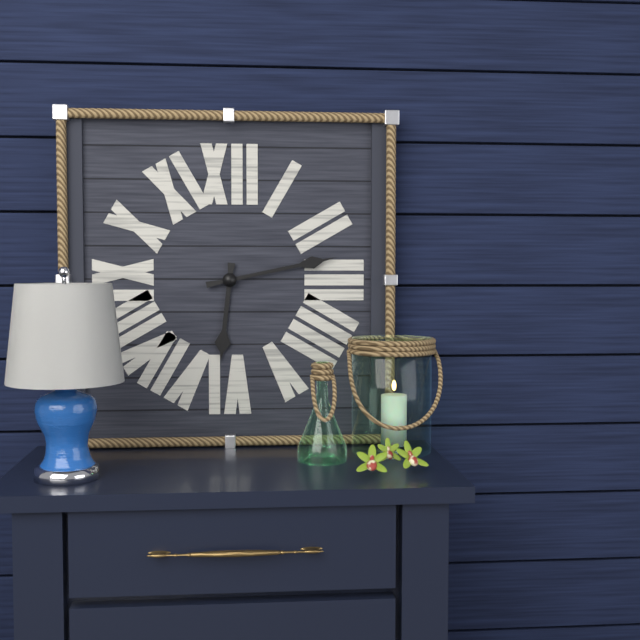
6.13
